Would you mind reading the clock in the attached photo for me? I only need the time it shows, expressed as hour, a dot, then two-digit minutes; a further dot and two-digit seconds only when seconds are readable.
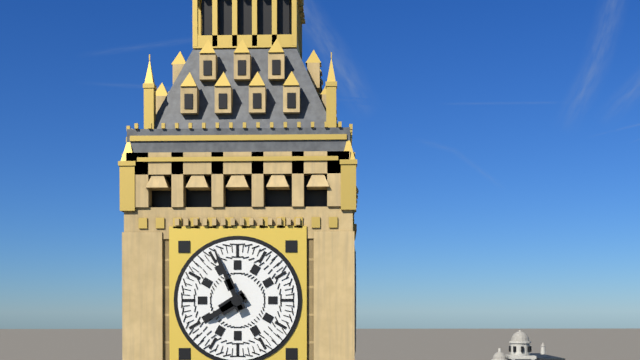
7.56
